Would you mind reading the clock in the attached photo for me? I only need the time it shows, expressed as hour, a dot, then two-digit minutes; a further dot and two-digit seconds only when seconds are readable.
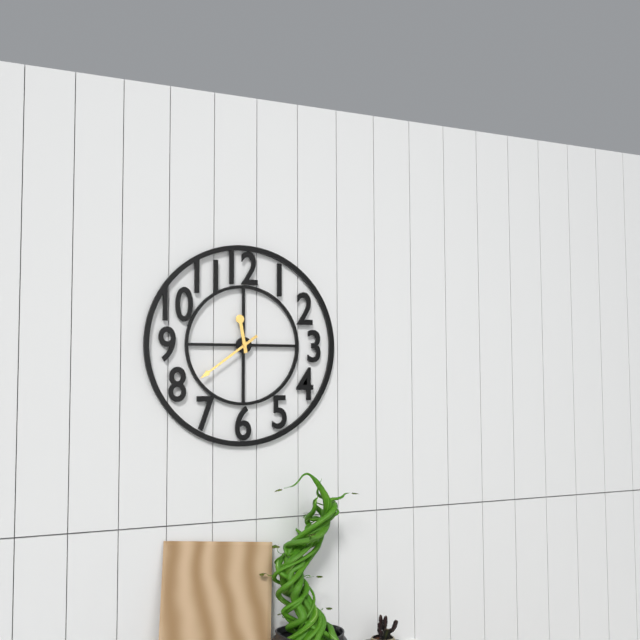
11.39
